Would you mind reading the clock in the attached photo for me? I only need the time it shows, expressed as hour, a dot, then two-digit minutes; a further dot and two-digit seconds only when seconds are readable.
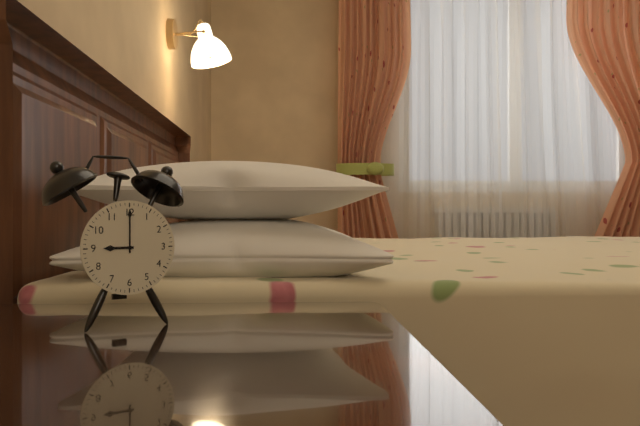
9.00
